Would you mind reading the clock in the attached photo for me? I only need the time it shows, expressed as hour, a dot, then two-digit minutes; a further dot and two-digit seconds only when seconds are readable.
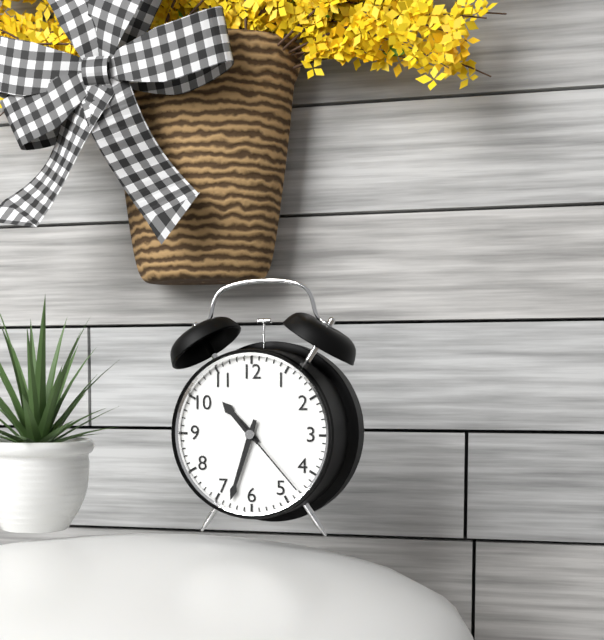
10.33.23
